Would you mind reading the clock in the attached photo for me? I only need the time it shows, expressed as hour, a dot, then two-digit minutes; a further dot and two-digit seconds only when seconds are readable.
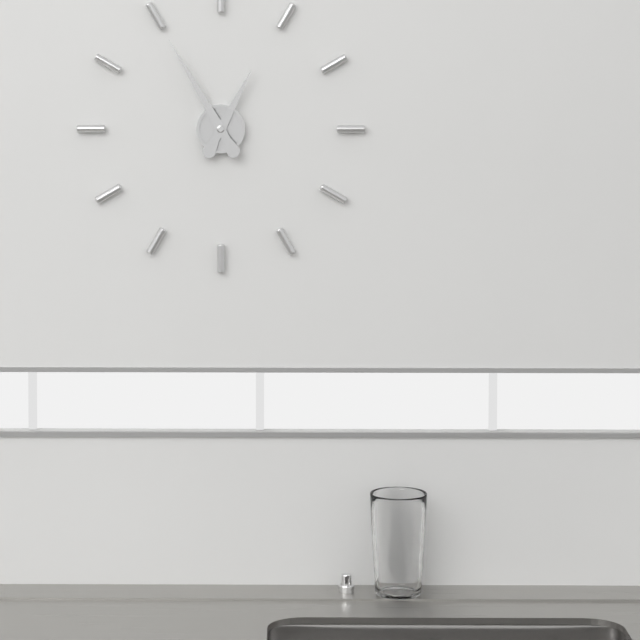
12.55
